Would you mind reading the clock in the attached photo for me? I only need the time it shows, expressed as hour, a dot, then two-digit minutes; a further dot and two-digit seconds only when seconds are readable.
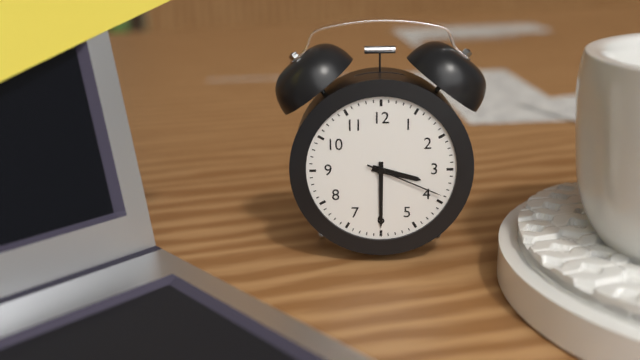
3.30.19
